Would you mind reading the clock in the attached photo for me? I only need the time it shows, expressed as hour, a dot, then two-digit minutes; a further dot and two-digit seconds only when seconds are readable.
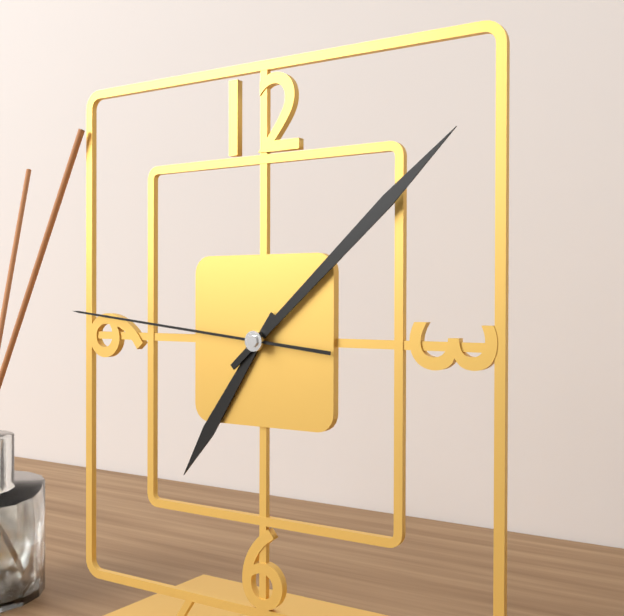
7.08.46
